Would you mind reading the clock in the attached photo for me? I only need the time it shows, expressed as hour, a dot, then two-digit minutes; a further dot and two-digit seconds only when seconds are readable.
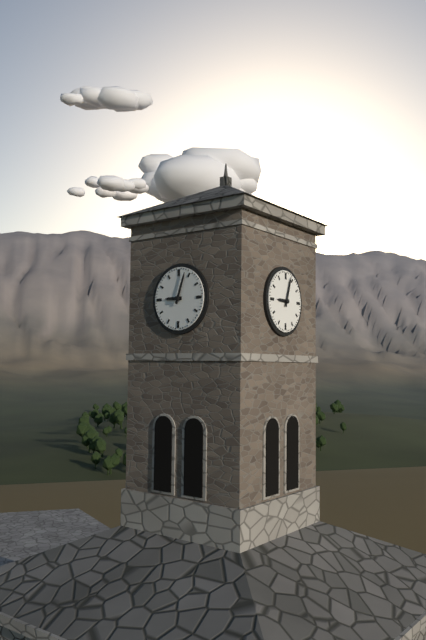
9.03
